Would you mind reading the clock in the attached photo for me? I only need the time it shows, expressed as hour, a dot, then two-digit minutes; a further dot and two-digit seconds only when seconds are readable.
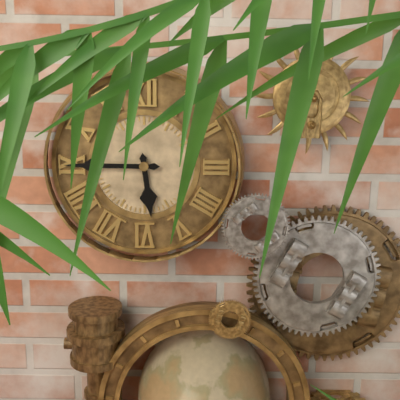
5.45
